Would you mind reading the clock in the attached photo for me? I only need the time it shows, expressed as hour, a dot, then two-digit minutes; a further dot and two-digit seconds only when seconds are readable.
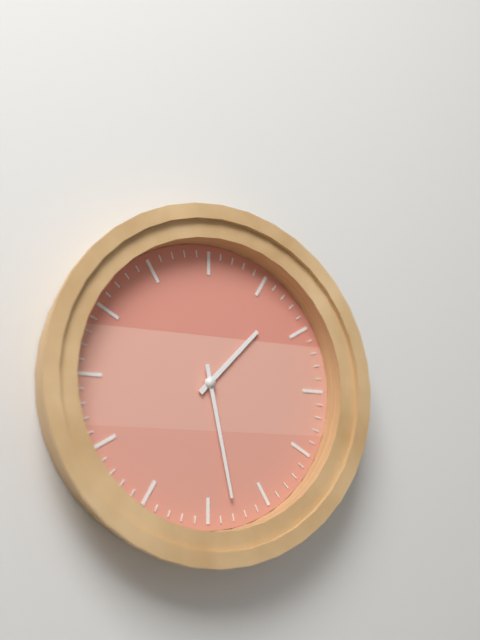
1.28
